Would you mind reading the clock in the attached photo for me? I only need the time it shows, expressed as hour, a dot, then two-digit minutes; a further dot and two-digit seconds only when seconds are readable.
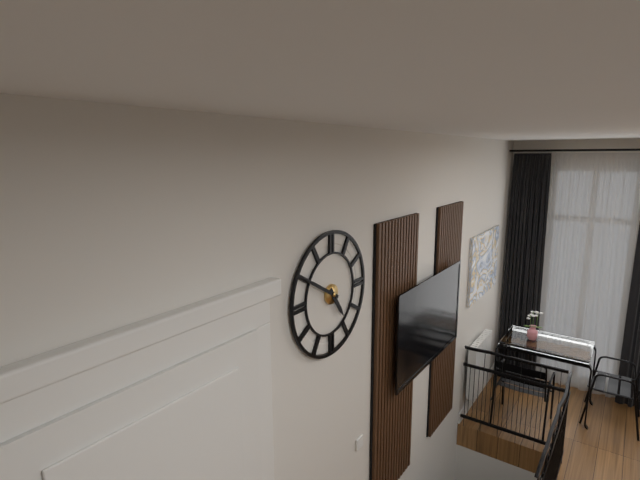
4.50
